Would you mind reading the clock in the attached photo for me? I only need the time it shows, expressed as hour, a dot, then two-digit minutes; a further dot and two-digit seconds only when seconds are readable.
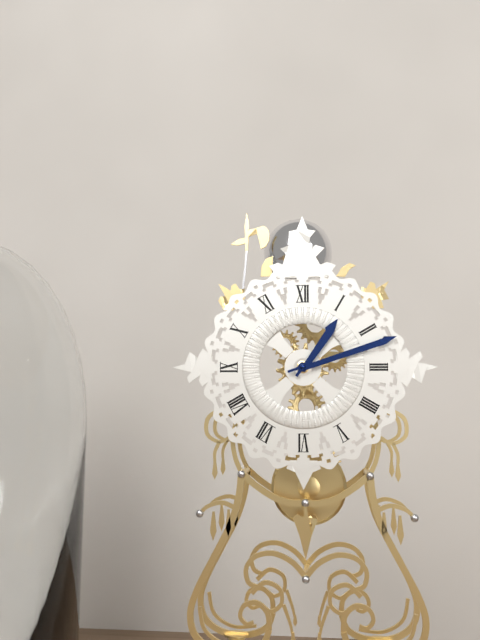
1.12
